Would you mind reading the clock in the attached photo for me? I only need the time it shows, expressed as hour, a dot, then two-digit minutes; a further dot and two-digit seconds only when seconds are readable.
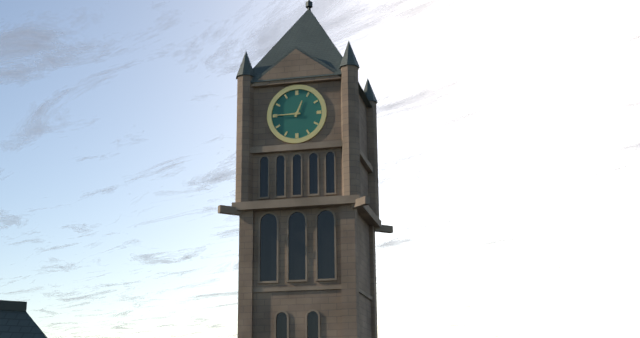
12.45
